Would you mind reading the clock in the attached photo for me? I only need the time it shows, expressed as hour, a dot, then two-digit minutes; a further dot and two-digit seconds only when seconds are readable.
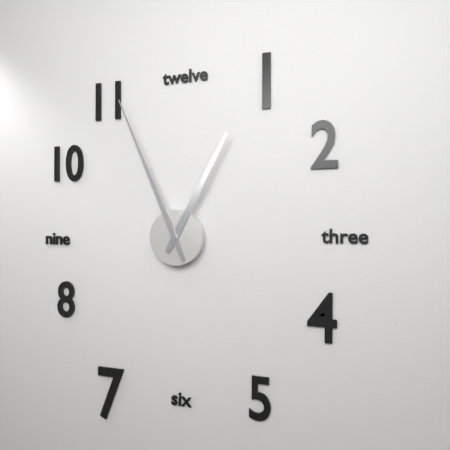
12.56
